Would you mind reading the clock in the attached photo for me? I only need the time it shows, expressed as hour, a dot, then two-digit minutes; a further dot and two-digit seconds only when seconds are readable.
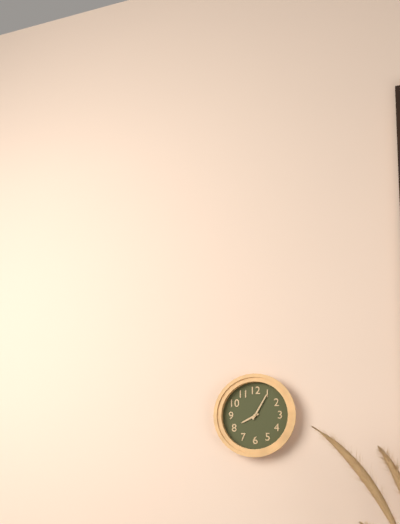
8.05
